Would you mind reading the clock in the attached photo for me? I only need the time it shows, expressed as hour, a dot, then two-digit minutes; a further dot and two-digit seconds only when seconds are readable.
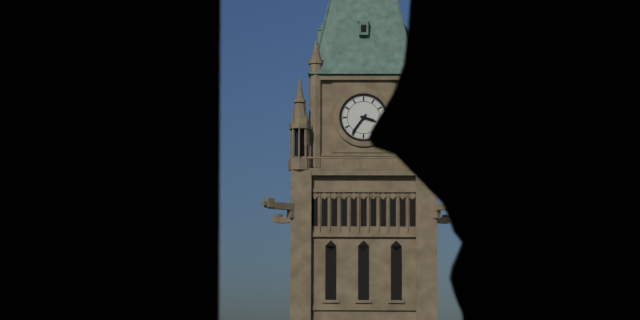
3.36
